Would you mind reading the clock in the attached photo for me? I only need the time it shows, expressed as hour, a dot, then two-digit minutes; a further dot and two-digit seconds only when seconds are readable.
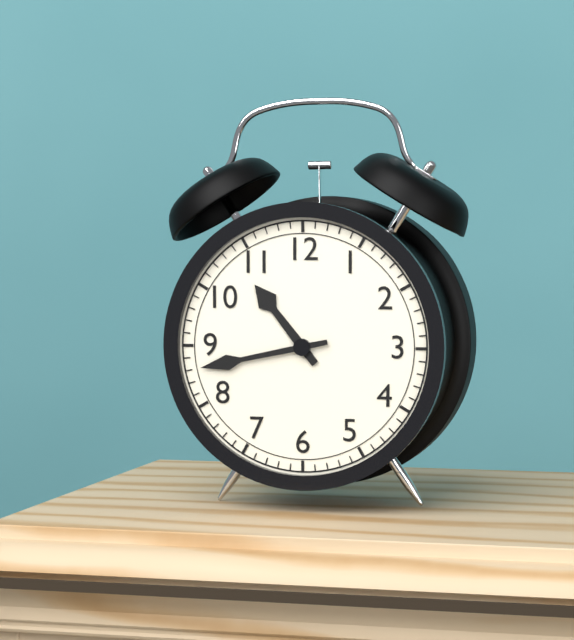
10.43
